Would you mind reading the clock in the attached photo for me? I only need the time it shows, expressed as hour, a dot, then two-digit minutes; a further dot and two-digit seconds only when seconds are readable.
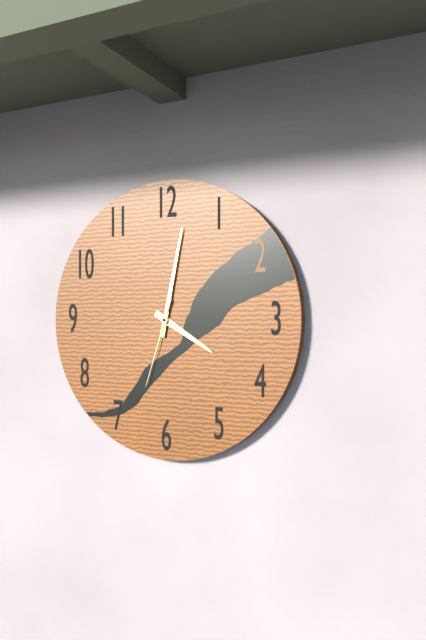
4.02.33
